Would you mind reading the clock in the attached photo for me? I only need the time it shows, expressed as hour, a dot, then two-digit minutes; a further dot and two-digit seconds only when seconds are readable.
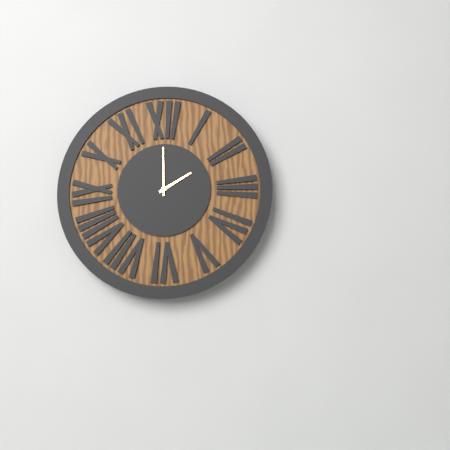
2.00
